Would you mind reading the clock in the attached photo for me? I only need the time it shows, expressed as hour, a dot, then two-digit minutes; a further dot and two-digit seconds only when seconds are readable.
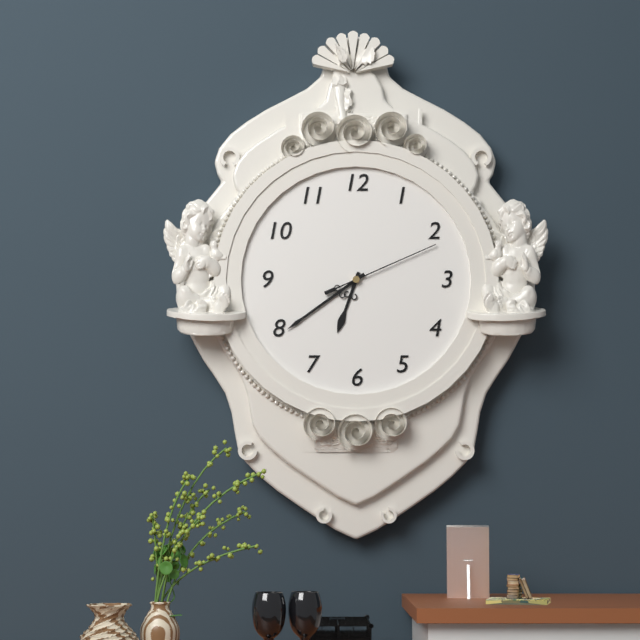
6.39.11
